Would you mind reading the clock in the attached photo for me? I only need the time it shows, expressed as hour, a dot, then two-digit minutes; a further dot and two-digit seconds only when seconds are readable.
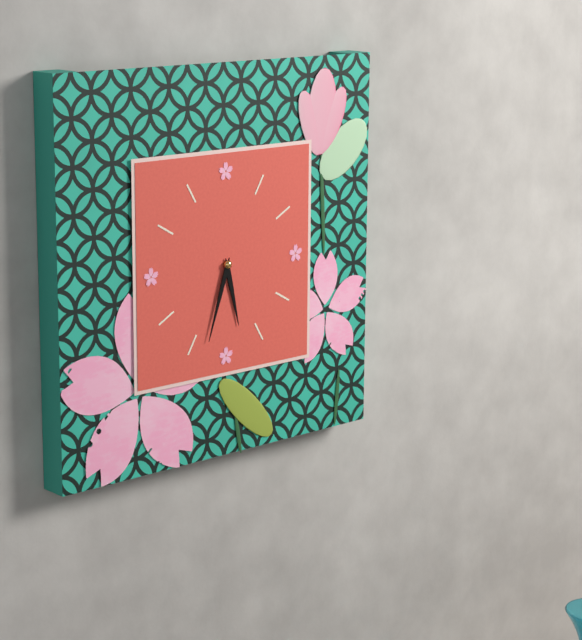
5.33
